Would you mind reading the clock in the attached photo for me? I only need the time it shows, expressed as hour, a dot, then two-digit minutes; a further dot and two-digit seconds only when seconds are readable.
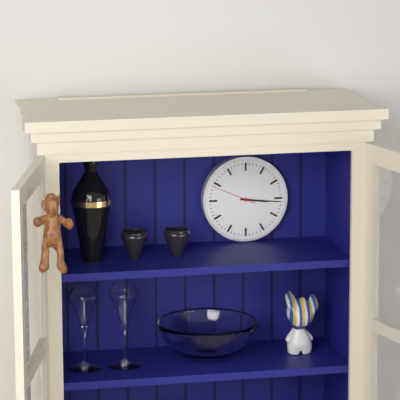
3.16
